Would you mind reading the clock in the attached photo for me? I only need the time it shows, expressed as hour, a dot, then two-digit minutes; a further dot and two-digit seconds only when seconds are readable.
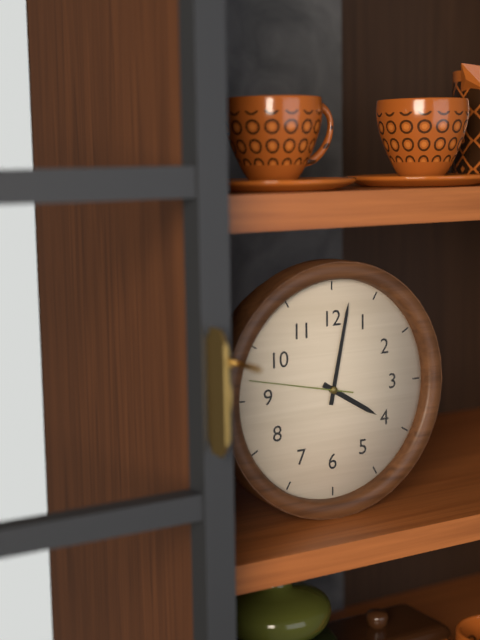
4.02.47
